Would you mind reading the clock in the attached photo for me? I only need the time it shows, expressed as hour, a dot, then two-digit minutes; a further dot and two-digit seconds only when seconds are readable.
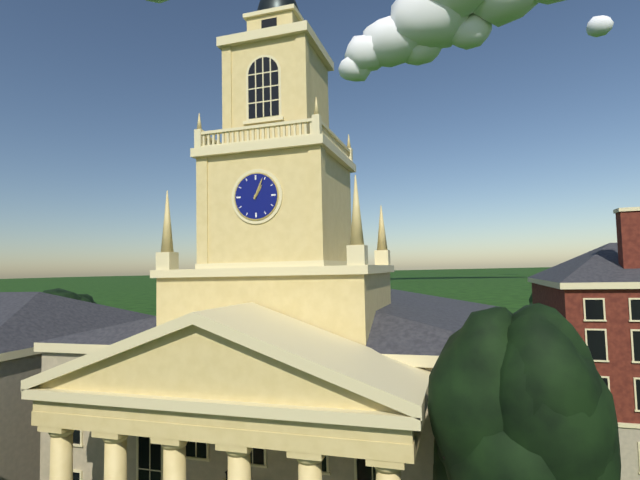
1.04
